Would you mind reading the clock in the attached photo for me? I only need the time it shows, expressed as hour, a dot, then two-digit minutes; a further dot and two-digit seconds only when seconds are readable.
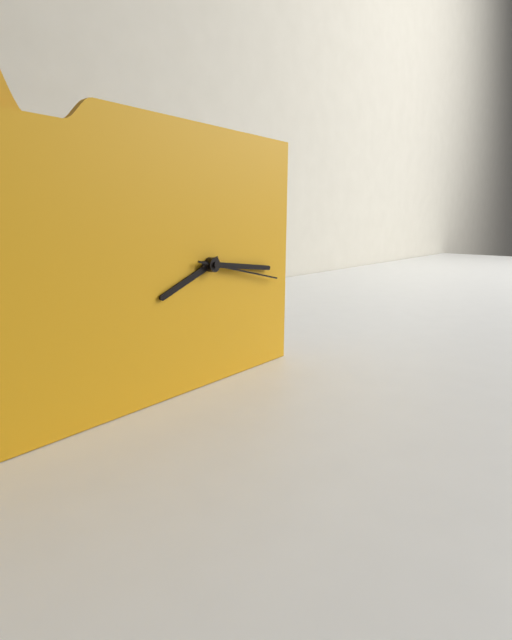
8.16.17
